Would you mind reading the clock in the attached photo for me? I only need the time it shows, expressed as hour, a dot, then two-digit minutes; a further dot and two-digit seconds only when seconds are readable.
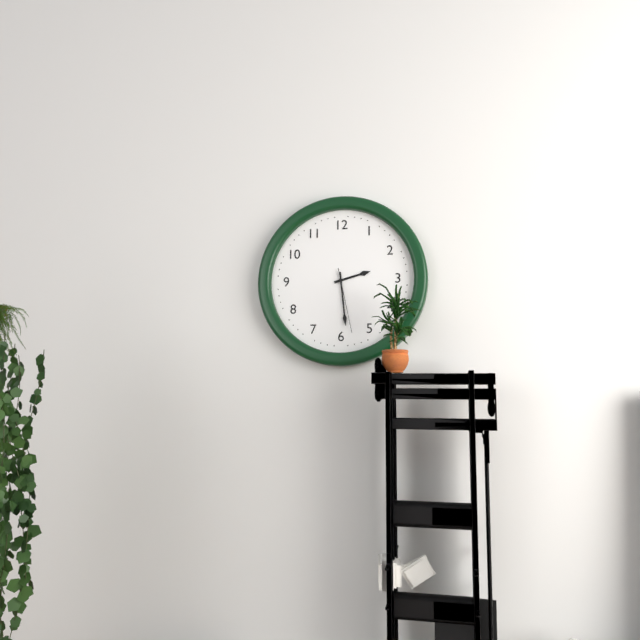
2.29.28
